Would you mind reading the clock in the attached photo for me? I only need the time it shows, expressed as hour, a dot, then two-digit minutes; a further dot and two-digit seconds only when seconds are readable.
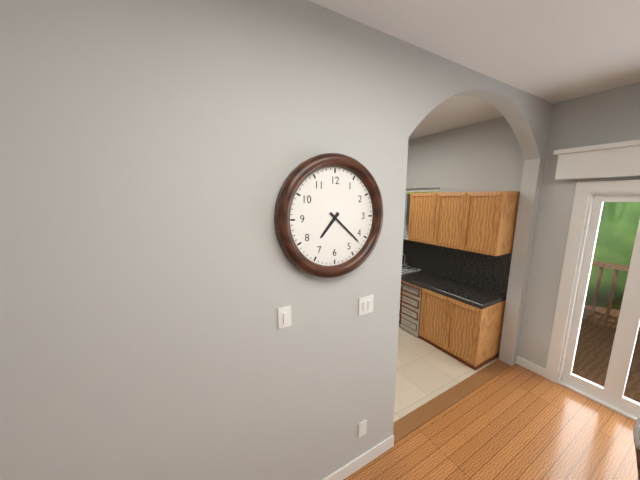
7.22
